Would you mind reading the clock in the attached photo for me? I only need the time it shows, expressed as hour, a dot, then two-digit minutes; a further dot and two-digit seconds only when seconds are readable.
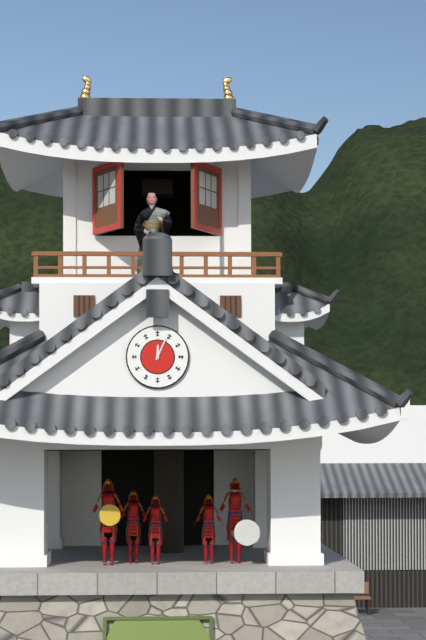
12.04
